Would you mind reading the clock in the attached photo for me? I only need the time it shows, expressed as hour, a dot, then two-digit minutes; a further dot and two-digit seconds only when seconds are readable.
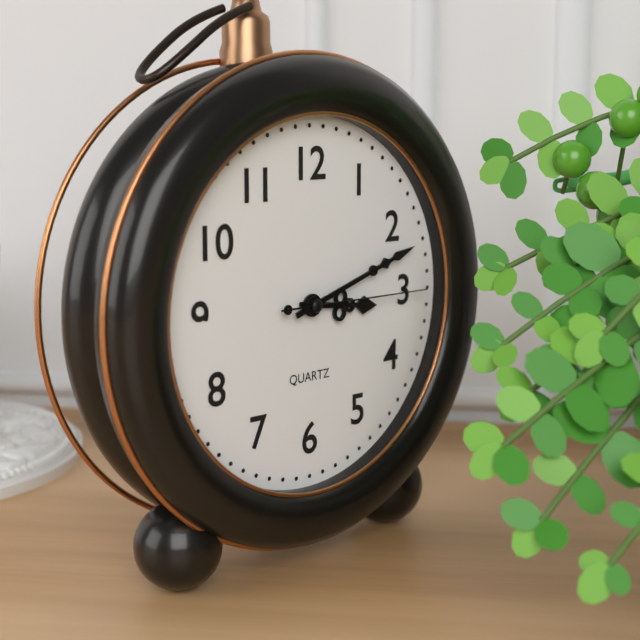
3.12.15
